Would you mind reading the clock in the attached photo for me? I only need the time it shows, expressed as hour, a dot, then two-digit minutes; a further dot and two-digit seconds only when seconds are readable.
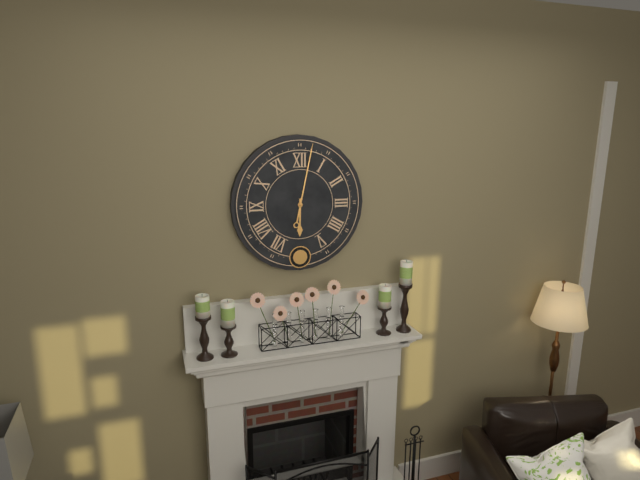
6.02
